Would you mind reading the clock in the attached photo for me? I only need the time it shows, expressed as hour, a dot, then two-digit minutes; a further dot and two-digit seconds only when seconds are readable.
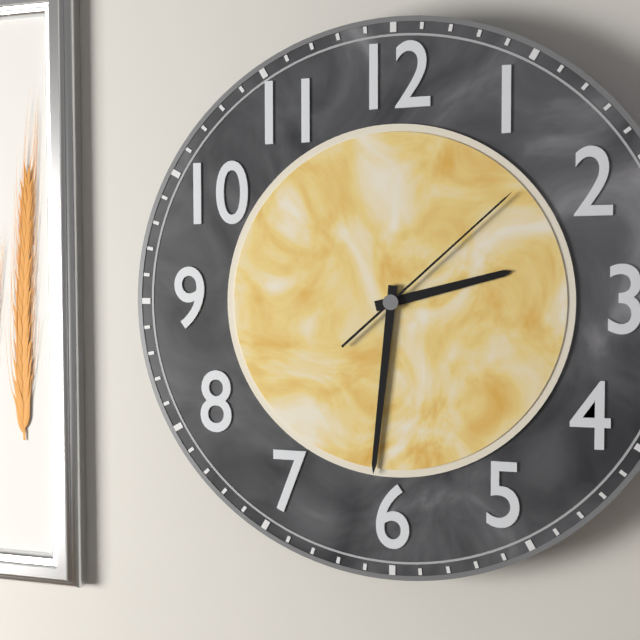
2.31.08
